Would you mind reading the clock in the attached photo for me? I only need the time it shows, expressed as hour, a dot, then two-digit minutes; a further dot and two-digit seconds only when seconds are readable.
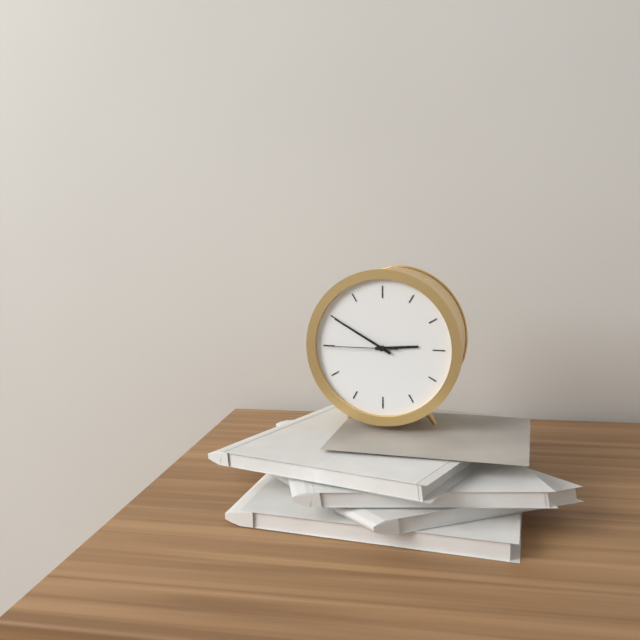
2.50.45
